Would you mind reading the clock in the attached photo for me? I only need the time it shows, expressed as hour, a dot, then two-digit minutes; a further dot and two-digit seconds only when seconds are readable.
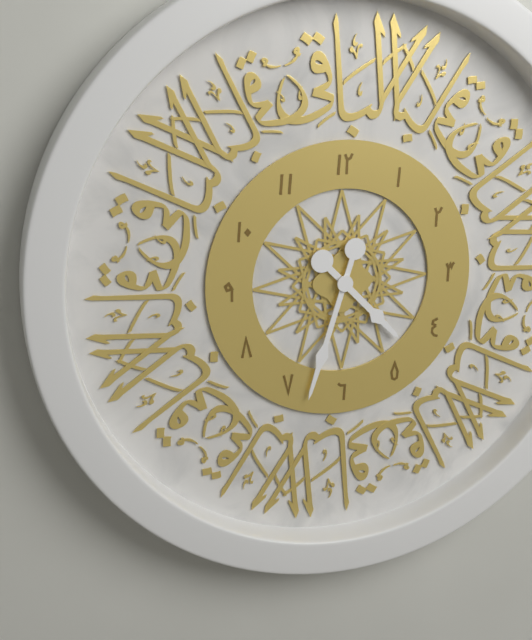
4.33
